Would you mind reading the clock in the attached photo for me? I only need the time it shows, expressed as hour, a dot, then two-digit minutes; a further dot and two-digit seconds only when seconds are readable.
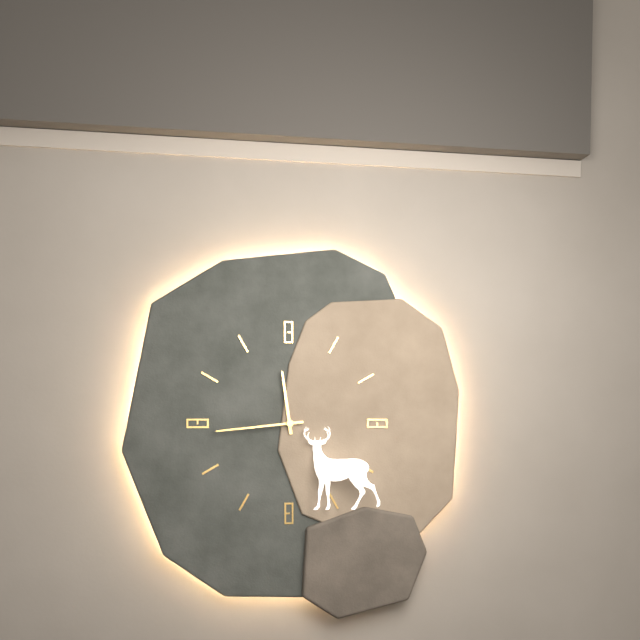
11.44
